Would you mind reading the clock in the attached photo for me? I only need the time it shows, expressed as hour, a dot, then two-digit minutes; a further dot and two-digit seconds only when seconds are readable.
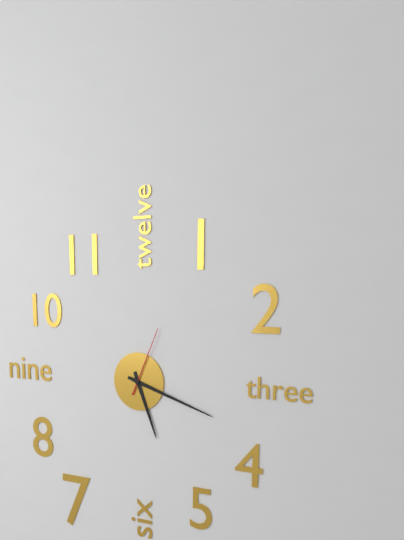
5.18.04
